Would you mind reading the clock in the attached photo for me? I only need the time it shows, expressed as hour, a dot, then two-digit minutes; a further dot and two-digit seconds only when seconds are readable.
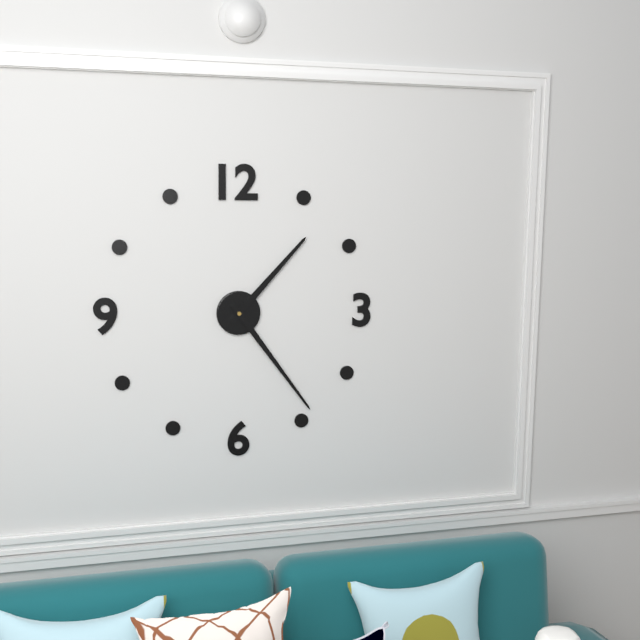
1.24
